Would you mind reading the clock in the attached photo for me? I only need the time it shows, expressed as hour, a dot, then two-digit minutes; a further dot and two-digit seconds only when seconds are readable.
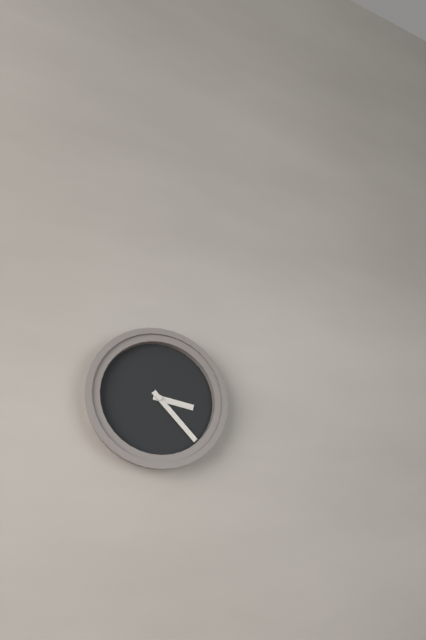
3.23
